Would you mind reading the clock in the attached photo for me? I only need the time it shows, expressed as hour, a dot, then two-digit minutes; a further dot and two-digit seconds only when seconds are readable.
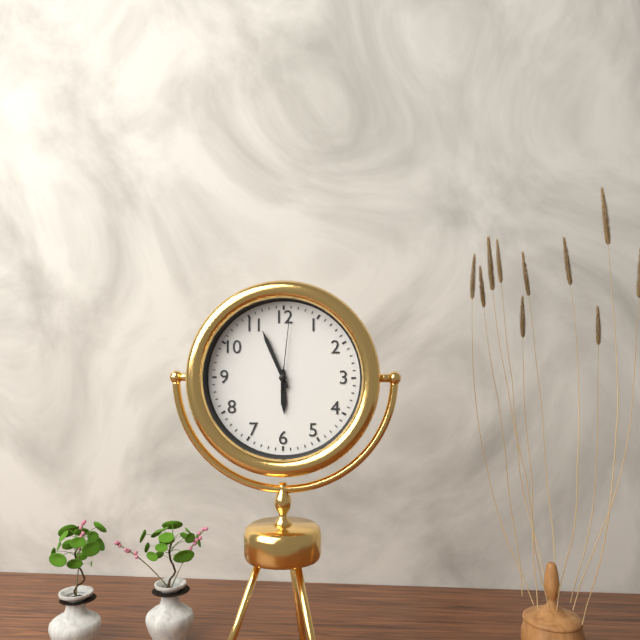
5.56.01
